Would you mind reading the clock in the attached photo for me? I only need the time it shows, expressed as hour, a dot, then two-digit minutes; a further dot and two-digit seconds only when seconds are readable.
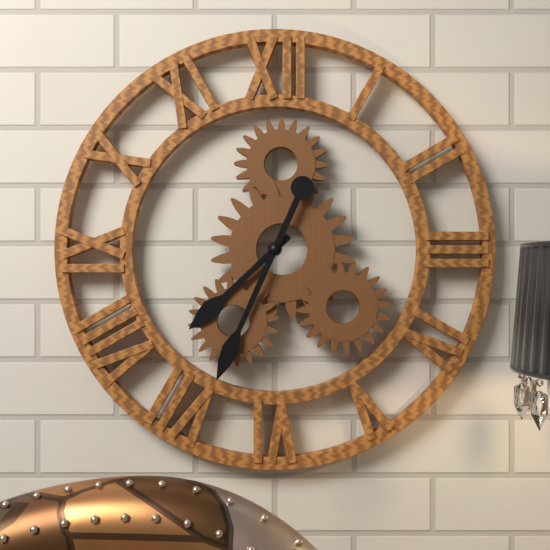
7.34
